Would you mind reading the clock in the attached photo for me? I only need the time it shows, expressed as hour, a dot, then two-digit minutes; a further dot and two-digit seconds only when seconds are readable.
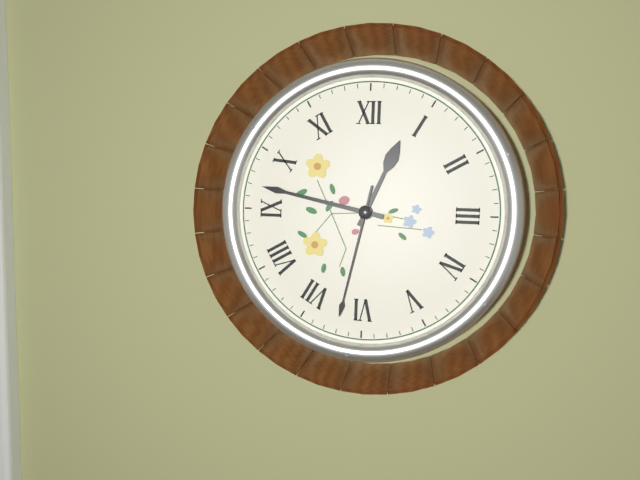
12.47.32
